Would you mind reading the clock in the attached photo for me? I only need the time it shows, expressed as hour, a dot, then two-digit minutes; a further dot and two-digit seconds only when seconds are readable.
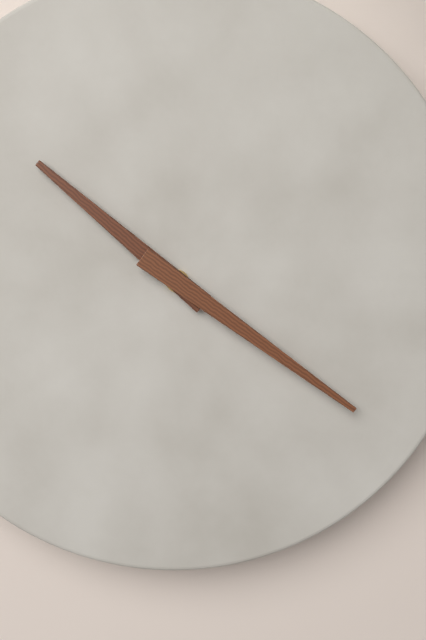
10.21
